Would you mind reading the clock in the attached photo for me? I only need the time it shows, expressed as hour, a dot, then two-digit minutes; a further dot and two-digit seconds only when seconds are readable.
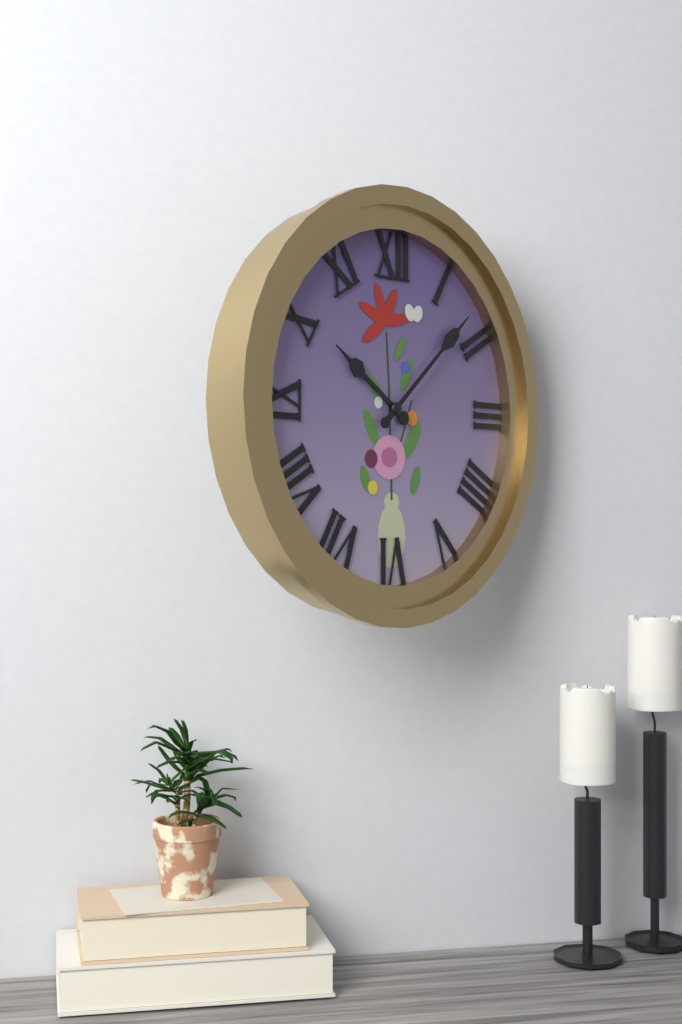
10.08
